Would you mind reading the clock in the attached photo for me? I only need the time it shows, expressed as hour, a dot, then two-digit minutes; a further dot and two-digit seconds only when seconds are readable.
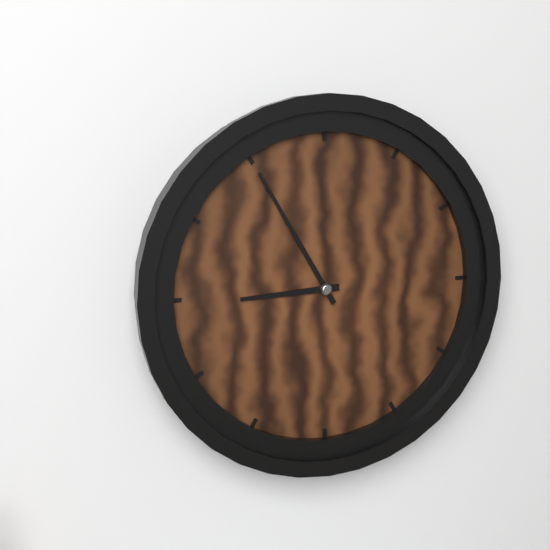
8.55
